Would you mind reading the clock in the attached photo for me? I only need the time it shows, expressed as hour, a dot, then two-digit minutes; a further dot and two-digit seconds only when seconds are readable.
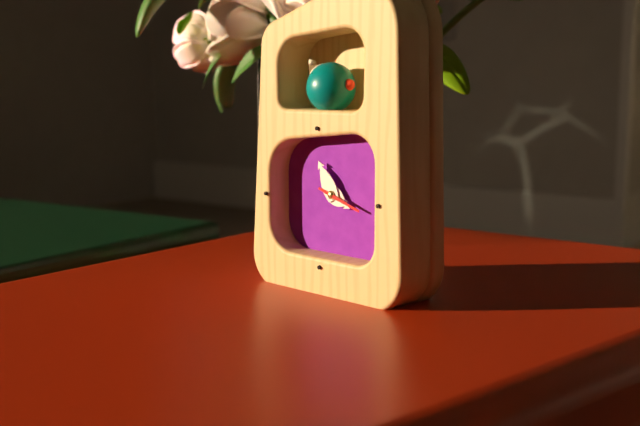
3.55
